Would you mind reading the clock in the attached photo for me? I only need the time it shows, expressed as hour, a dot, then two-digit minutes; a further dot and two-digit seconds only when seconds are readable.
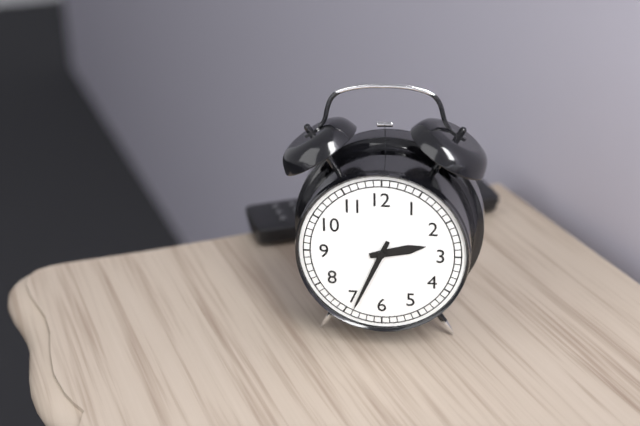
2.34
